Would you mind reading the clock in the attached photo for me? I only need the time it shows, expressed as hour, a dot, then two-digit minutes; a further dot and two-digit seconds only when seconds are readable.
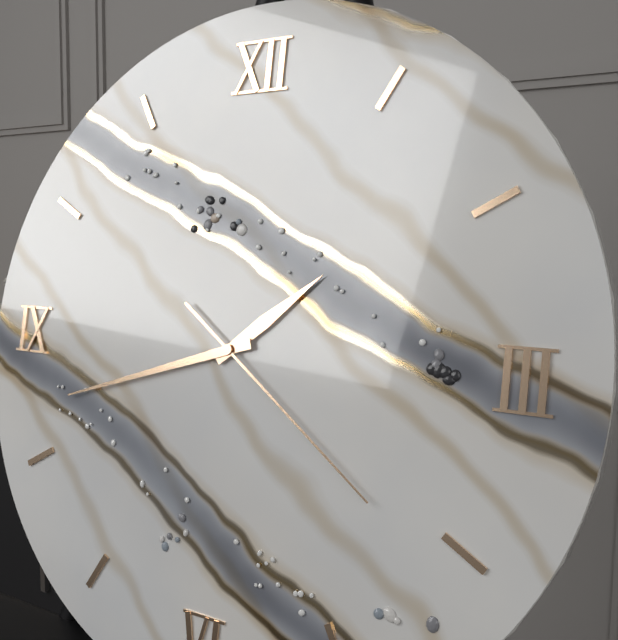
1.42.21
